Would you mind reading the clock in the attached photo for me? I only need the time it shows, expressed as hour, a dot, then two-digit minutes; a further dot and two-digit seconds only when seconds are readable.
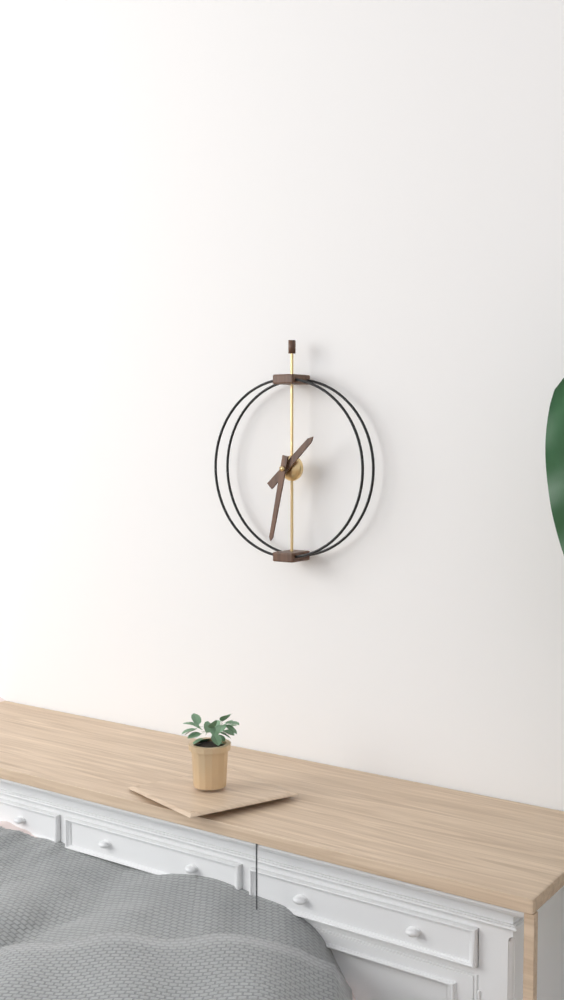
1.32
